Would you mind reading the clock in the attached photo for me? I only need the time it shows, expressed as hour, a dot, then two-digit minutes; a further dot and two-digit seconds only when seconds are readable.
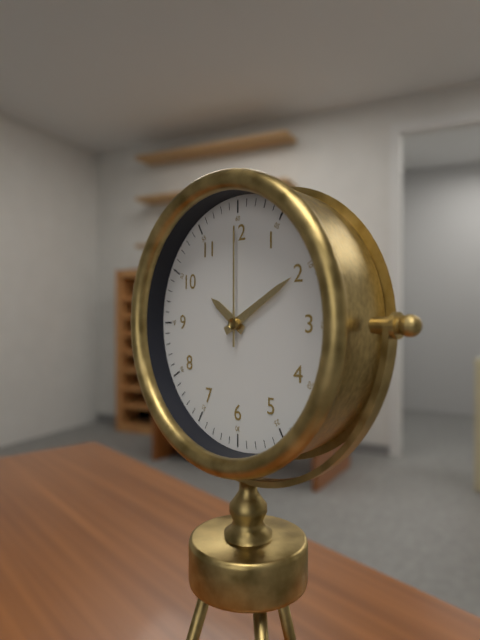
10.10.00
